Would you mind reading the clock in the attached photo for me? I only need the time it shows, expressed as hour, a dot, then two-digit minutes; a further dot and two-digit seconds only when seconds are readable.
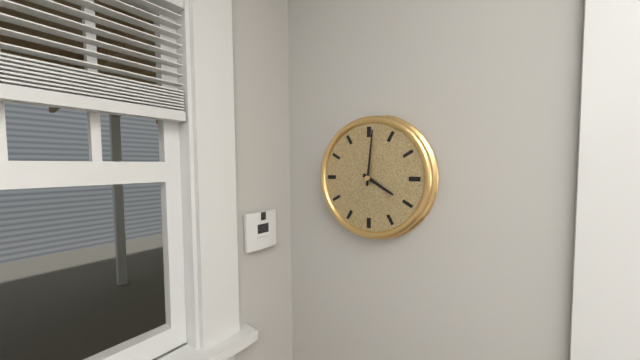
4.01
